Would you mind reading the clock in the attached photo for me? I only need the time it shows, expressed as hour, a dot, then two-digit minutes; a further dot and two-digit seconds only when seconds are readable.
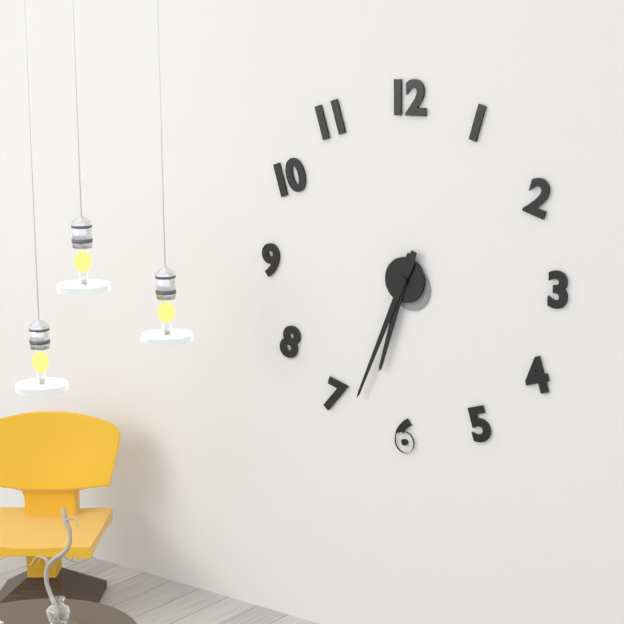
6.34
